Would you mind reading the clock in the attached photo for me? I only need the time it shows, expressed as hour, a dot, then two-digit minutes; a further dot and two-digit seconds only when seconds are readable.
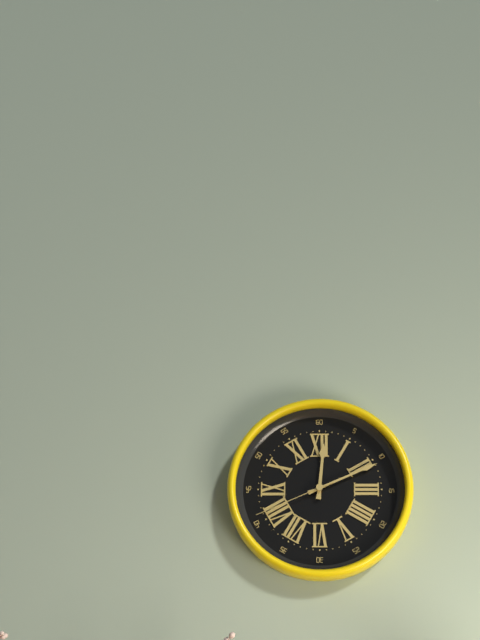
12.11.41
